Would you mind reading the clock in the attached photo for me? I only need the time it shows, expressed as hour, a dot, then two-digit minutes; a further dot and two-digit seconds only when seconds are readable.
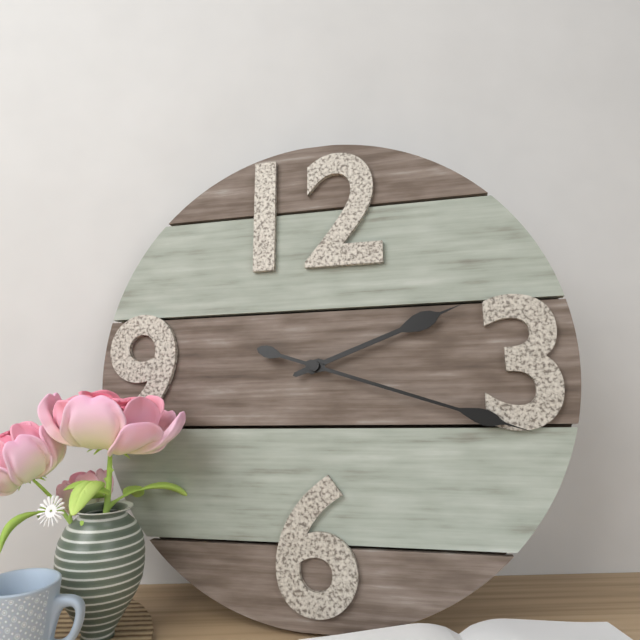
2.18
